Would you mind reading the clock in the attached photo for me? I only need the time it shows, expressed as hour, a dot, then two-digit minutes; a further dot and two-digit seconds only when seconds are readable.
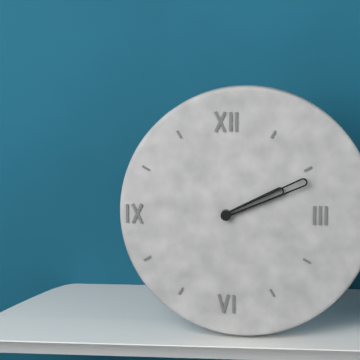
2.11
